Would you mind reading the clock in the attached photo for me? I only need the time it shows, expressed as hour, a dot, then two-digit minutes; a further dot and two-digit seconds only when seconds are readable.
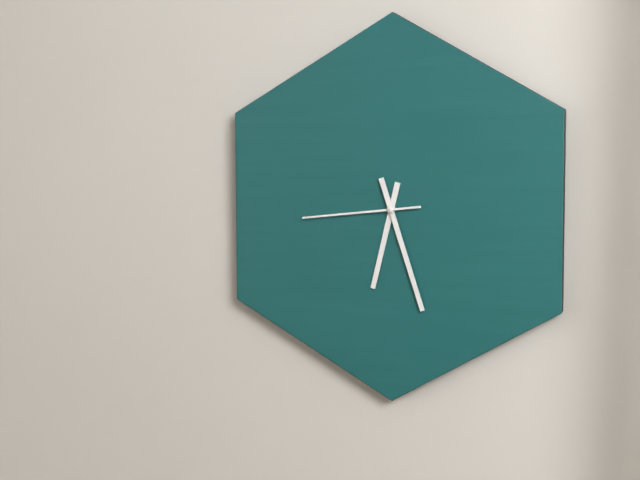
6.27.44
